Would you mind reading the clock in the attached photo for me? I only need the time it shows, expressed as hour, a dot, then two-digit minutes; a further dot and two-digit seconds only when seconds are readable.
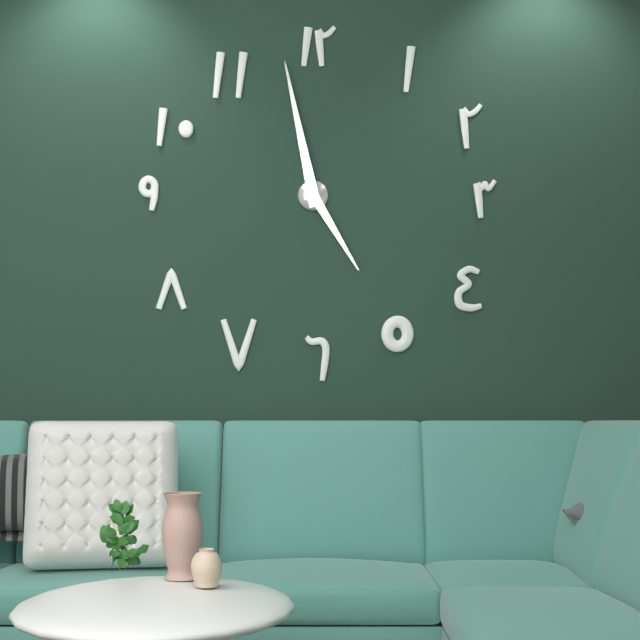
4.58
